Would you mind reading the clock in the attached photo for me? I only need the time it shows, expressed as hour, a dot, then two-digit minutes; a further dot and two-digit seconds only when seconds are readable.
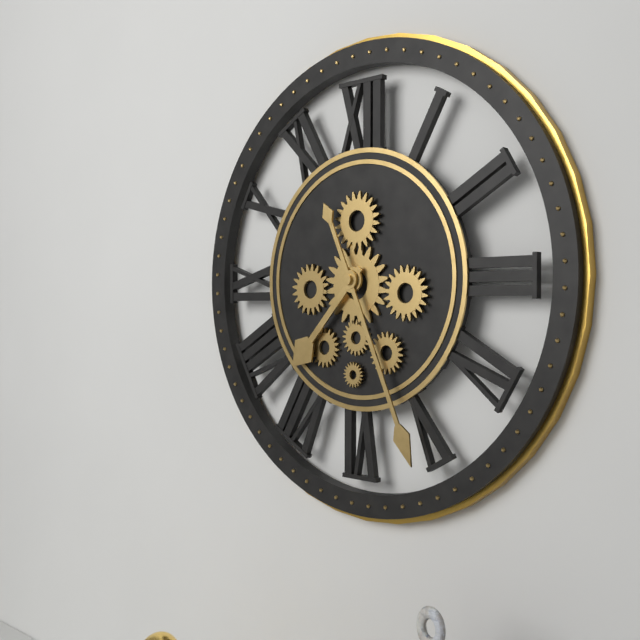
7.26
